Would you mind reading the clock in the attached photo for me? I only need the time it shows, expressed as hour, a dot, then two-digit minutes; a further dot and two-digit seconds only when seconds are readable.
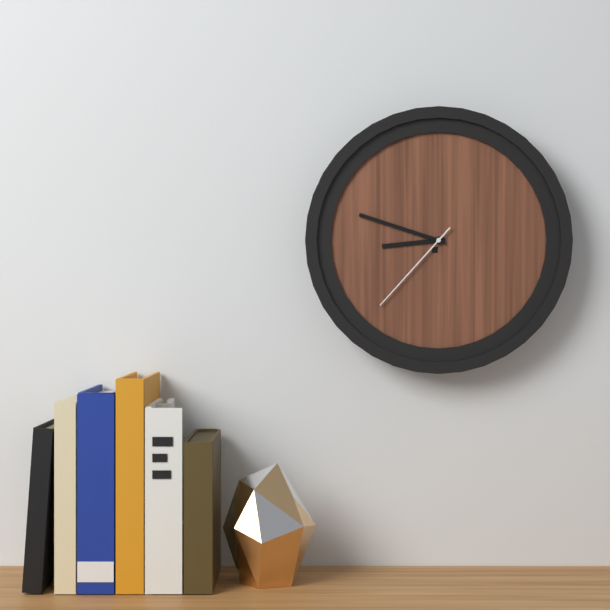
8.48.37
